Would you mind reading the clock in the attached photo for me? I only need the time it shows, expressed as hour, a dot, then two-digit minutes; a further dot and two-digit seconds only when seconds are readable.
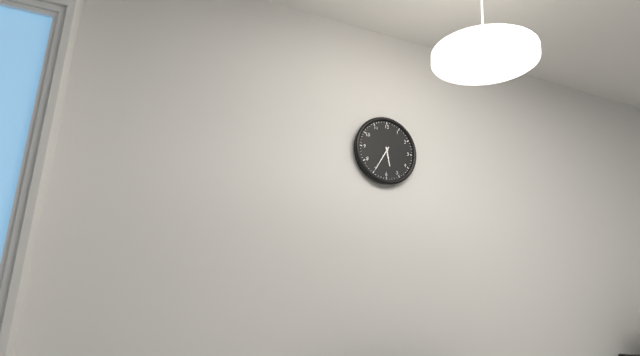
5.35
